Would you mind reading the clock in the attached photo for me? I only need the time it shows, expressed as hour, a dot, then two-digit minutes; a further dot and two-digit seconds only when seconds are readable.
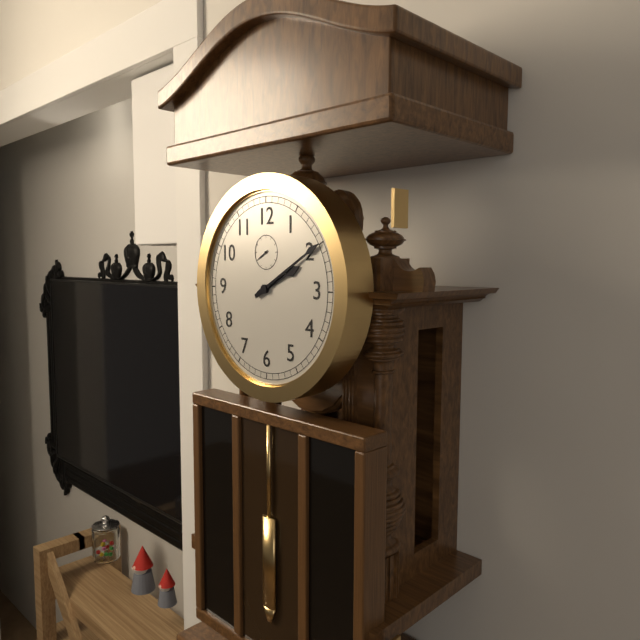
2.10
